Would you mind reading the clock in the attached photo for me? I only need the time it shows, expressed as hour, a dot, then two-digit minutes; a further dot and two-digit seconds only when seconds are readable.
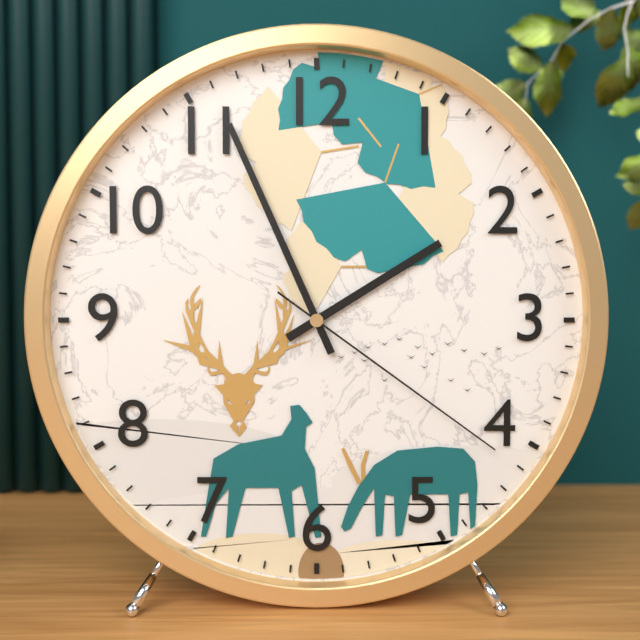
1.56.21
